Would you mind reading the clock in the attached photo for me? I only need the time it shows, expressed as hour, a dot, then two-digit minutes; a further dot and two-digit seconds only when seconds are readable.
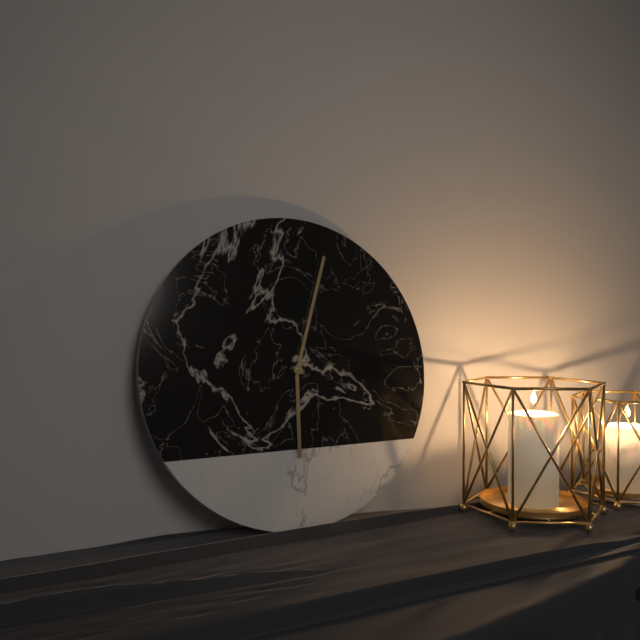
6.03
